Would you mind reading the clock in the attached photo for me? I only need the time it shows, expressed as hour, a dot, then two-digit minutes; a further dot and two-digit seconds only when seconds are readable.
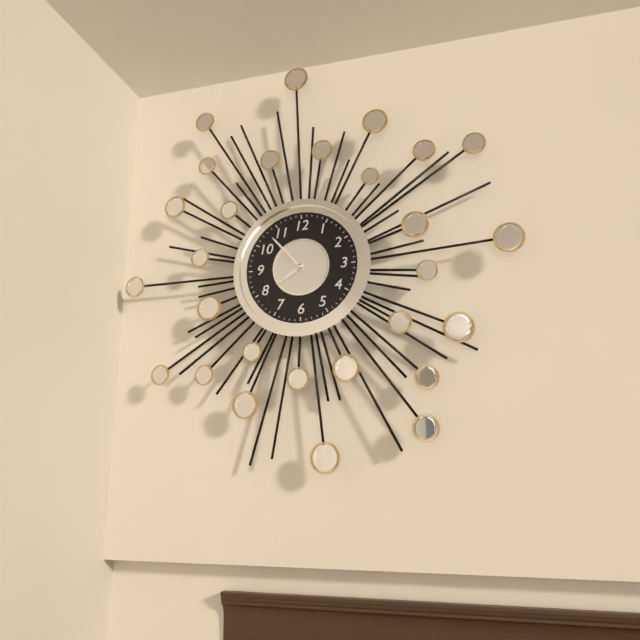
7.53
